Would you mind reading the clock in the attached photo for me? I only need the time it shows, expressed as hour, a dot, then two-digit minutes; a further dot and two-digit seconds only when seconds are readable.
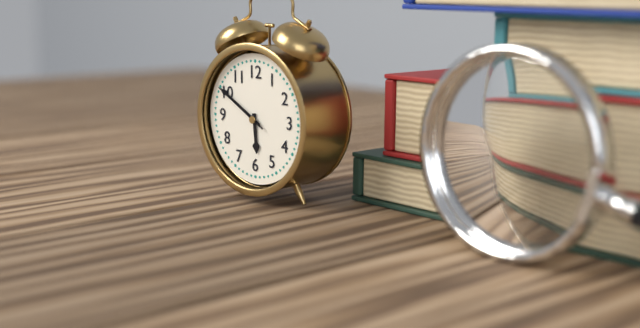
5.50.50
